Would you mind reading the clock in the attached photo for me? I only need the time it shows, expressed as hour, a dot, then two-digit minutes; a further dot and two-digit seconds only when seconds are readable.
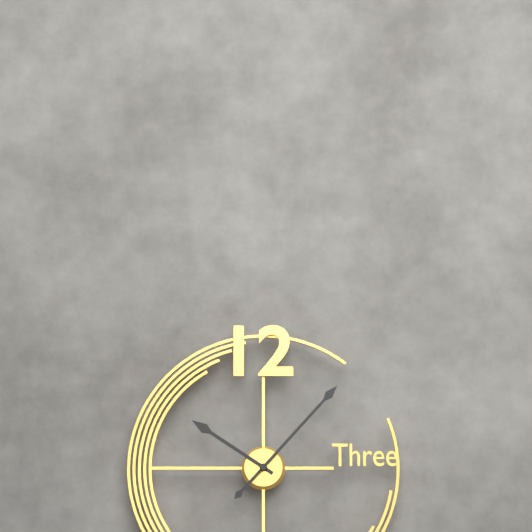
10.07
